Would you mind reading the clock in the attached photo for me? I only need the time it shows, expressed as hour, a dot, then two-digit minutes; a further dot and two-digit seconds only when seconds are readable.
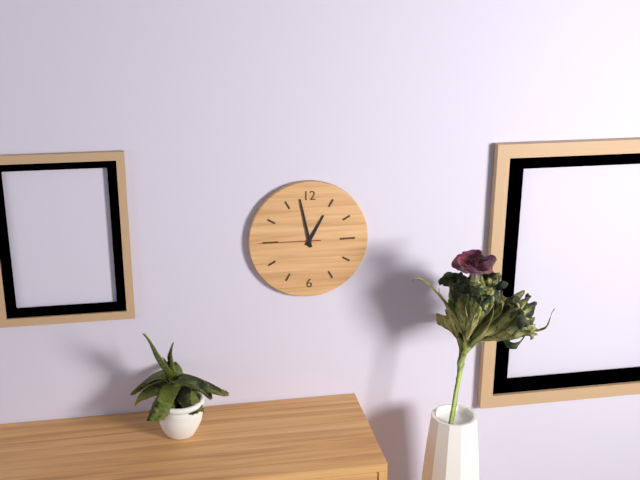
12.58.45
